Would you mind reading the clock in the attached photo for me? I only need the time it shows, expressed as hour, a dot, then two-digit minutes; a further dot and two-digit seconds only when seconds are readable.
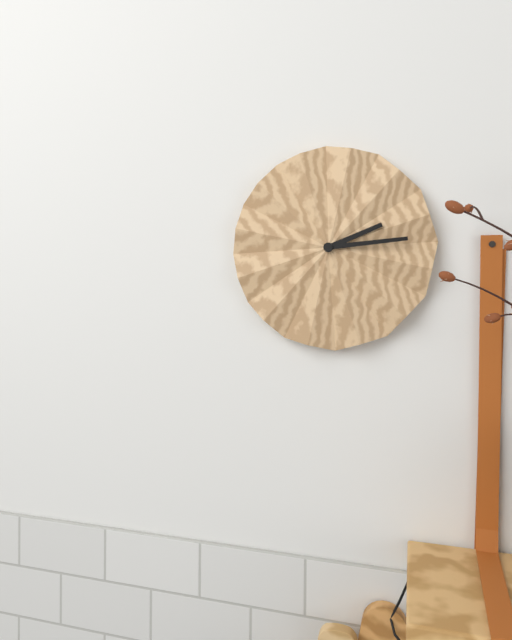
2.14
